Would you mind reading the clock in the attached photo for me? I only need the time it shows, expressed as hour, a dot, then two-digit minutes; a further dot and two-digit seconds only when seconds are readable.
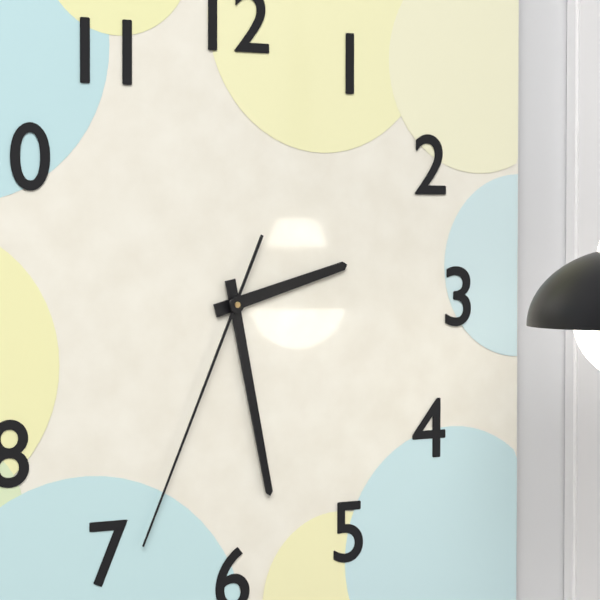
2.28.34
